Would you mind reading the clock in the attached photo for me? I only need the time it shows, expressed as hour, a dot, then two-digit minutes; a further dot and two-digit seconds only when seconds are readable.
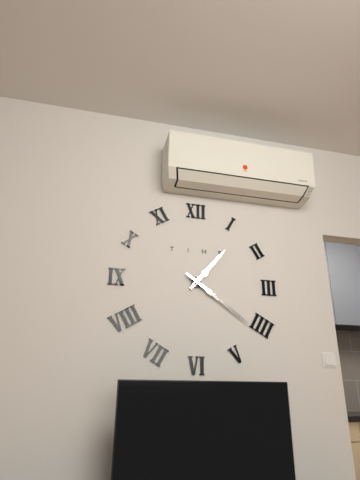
1.21
